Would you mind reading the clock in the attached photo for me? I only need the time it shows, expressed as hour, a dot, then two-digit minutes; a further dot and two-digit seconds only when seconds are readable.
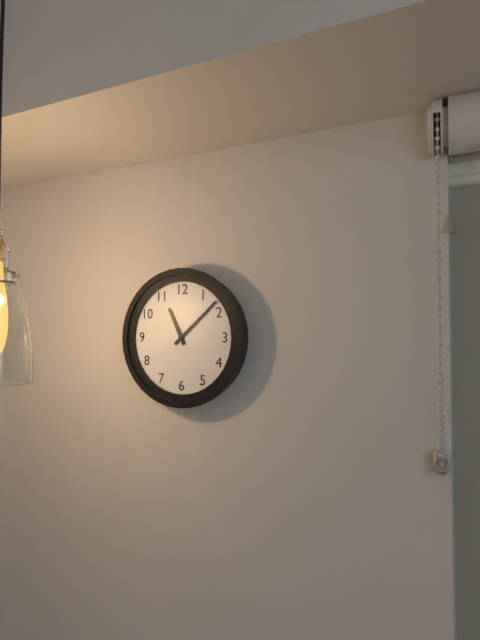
11.08
